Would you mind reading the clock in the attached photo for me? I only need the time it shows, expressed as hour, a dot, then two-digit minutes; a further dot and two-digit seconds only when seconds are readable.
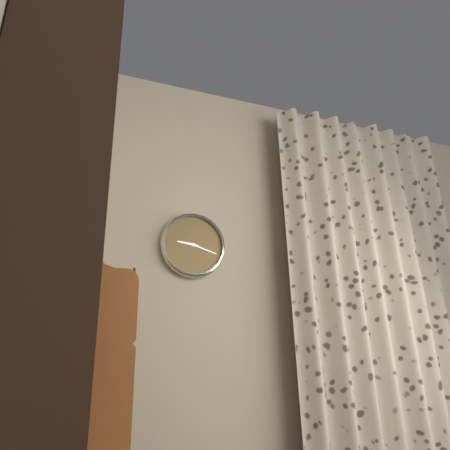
9.18
